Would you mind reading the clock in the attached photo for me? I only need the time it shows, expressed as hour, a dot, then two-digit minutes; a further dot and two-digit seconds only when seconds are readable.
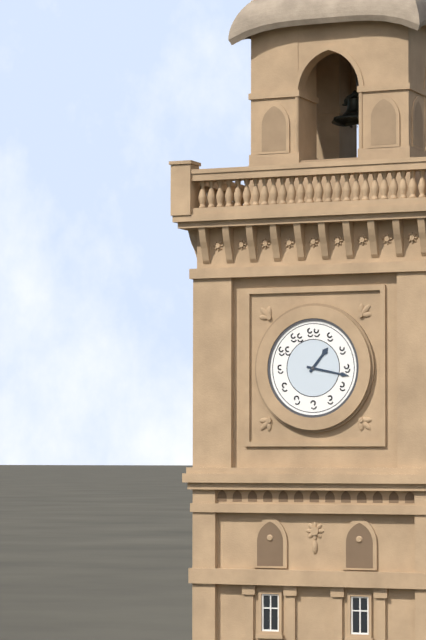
1.17
